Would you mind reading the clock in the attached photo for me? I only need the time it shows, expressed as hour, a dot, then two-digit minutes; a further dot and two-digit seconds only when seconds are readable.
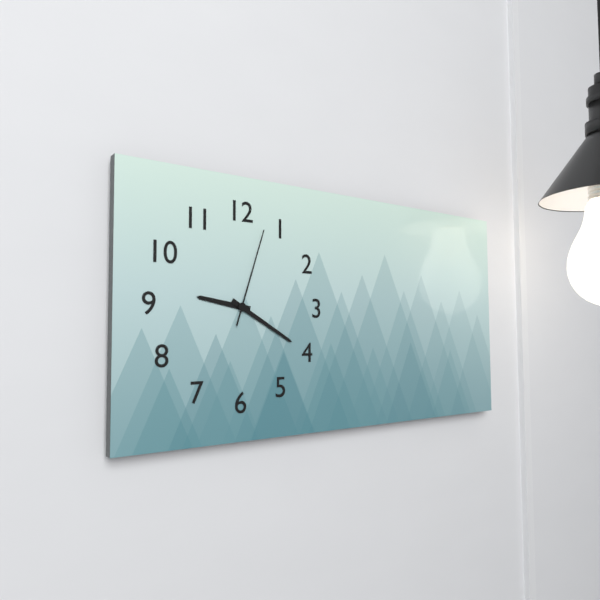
9.20.03
